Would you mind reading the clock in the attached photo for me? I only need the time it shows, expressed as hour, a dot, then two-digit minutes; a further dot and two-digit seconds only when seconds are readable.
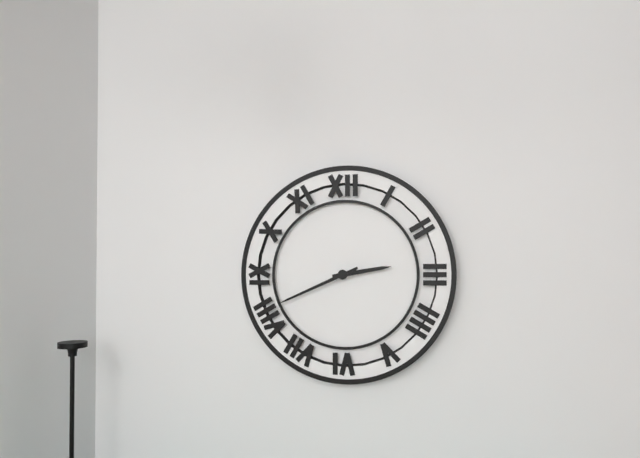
2.41
